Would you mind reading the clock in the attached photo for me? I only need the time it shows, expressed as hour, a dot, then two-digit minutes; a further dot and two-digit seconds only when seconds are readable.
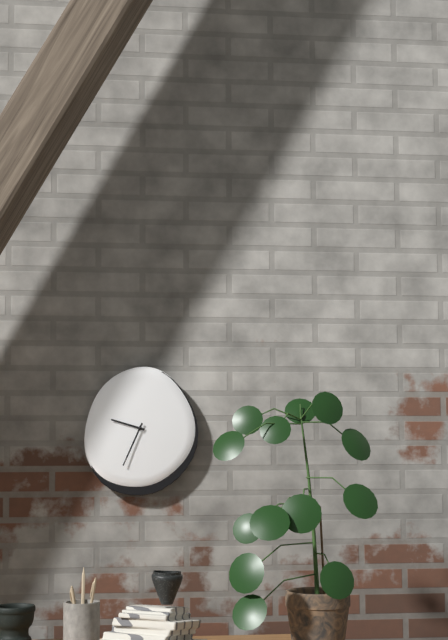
9.34
